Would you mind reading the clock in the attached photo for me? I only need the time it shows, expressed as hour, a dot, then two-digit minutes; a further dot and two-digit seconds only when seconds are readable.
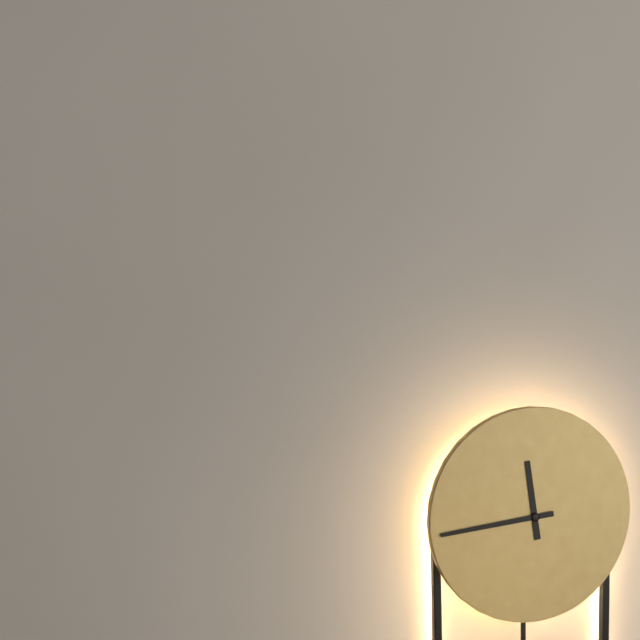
11.44
